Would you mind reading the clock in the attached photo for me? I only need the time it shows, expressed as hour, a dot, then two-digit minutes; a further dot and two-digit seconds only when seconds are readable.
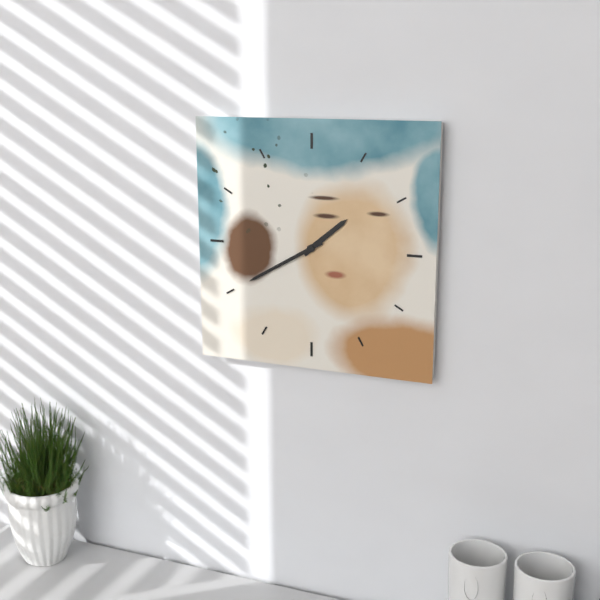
1.40
